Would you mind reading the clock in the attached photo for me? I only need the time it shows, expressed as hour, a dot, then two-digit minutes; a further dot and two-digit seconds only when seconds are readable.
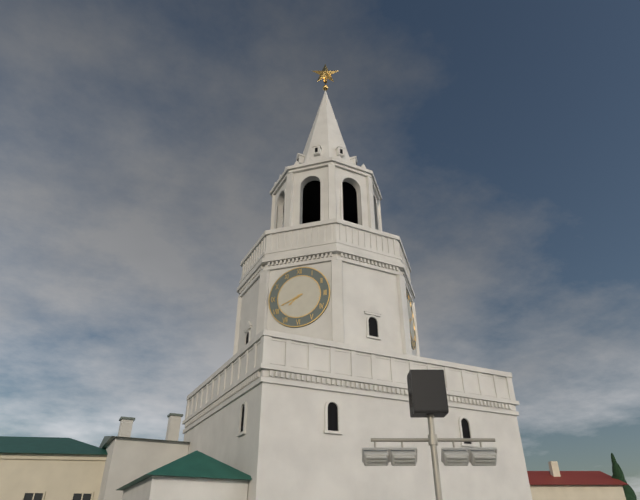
7.41
